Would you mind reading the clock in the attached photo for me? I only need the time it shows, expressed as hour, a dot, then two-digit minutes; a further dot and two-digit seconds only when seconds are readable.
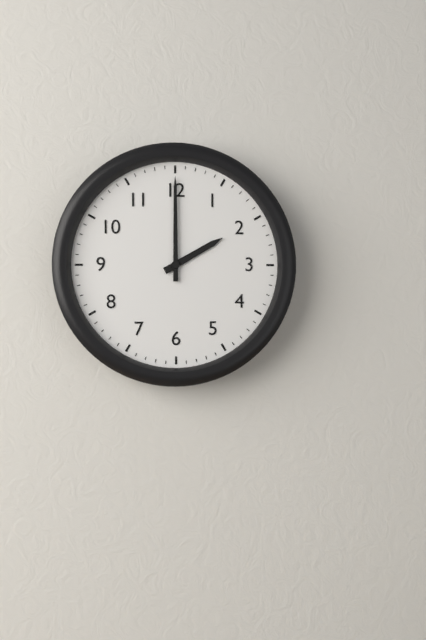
2.00
